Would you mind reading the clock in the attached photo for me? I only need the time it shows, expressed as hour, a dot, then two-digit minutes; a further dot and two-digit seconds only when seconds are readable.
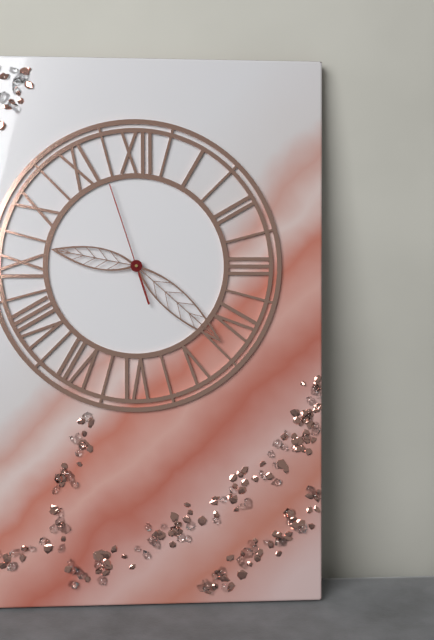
9.22.57
